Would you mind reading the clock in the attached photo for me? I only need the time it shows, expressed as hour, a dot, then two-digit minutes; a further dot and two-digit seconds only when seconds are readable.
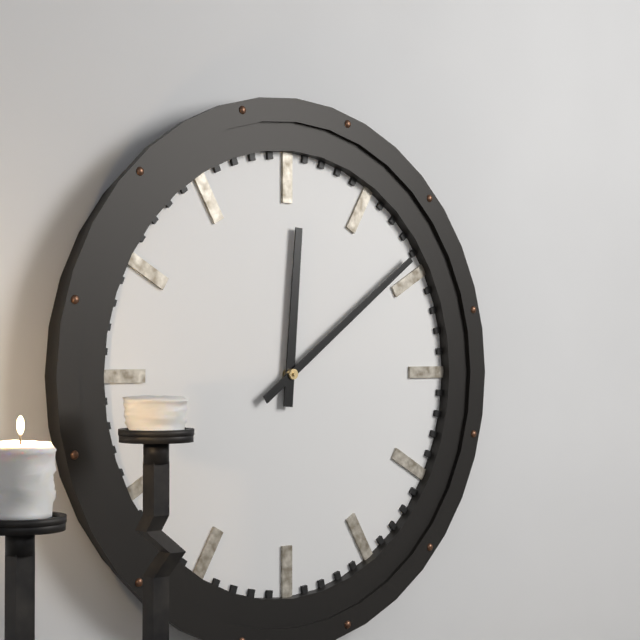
12.09
